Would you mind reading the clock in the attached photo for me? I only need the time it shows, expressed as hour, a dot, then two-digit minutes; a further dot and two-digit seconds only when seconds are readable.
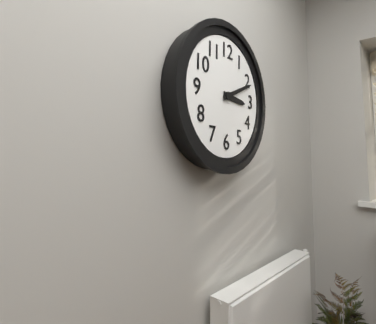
3.11
